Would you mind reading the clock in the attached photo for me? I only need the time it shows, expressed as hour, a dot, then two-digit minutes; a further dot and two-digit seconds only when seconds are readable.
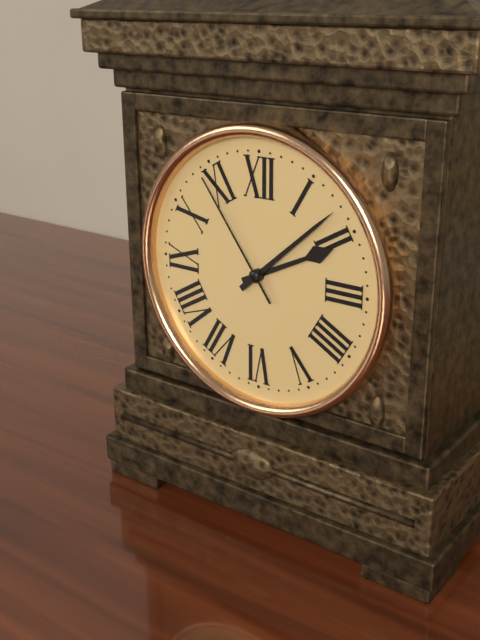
2.08.54
